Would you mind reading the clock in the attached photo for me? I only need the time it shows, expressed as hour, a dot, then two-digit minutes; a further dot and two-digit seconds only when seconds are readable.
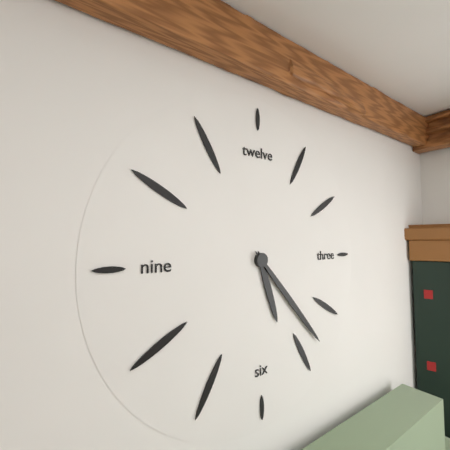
5.23
